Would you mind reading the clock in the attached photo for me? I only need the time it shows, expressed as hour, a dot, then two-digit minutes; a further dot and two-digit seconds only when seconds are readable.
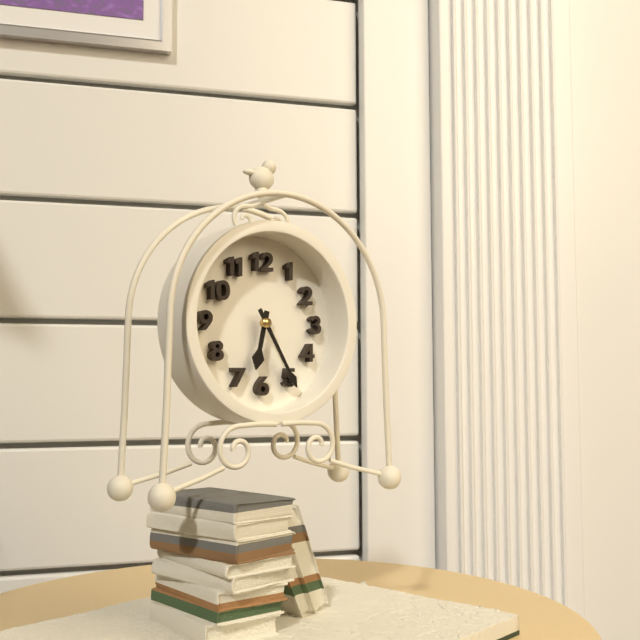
6.25
